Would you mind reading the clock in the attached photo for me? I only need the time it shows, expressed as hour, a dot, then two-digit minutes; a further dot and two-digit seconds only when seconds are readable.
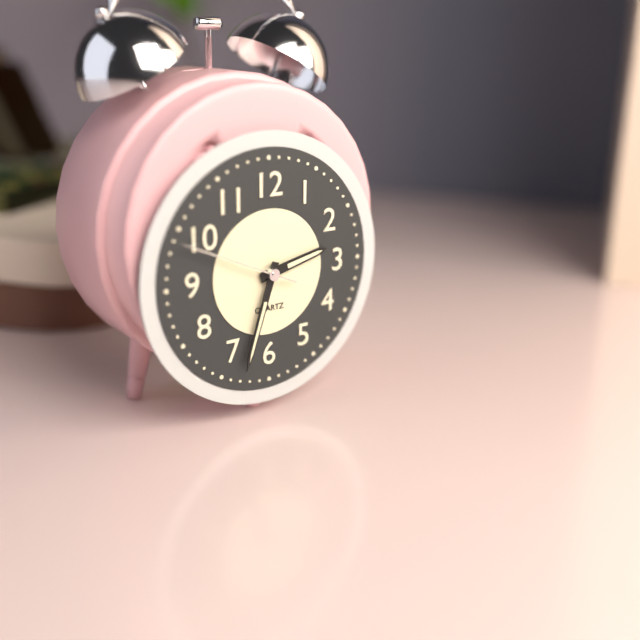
2.33.49
